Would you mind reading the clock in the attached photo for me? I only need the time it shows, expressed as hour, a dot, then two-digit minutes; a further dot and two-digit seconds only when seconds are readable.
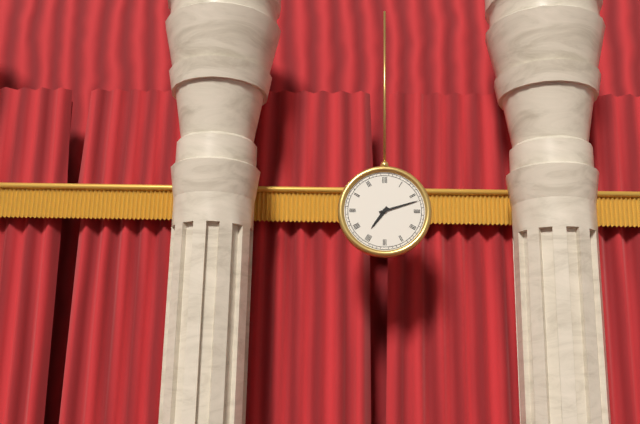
7.12
